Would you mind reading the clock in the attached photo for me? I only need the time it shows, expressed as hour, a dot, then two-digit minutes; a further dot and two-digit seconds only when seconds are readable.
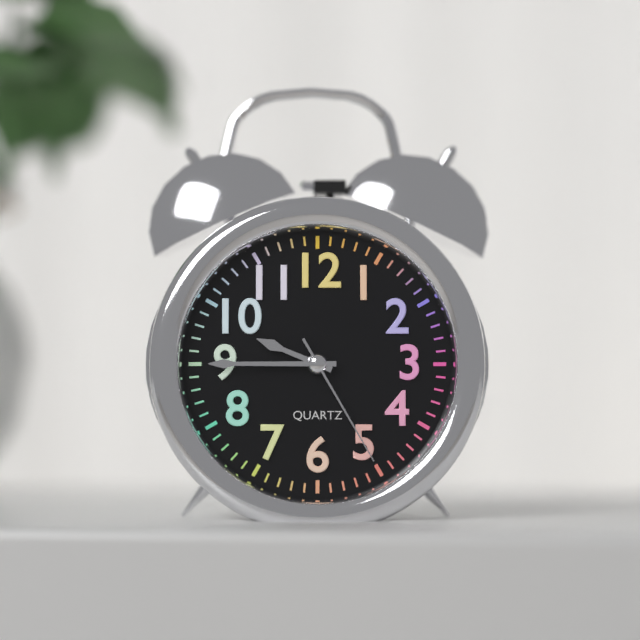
9.45.25
